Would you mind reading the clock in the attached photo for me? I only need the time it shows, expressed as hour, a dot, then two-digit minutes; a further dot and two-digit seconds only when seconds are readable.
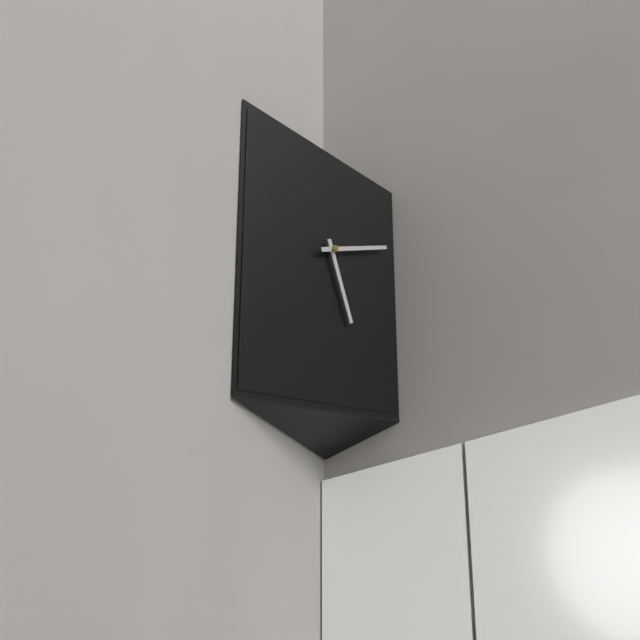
5.12
